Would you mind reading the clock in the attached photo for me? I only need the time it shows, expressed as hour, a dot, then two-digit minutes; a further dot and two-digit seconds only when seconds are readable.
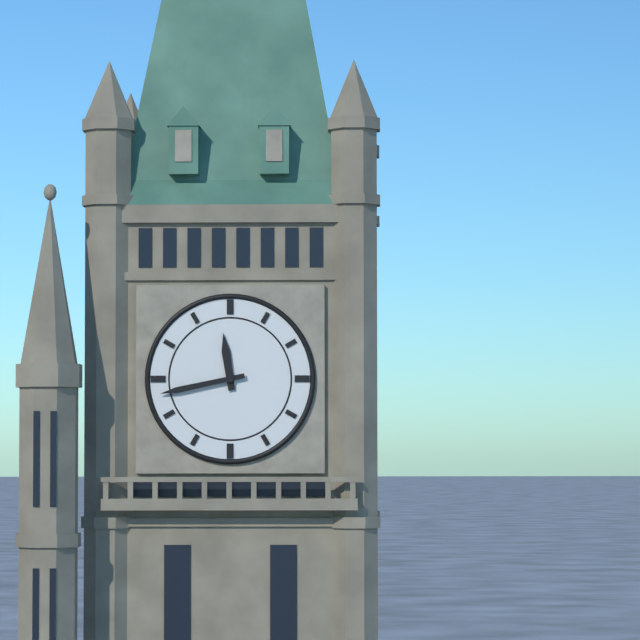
11.43
